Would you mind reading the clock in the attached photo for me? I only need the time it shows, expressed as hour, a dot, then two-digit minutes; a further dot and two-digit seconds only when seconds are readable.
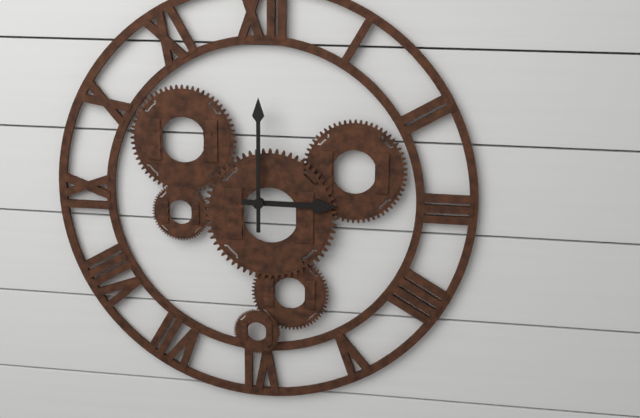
3.00
